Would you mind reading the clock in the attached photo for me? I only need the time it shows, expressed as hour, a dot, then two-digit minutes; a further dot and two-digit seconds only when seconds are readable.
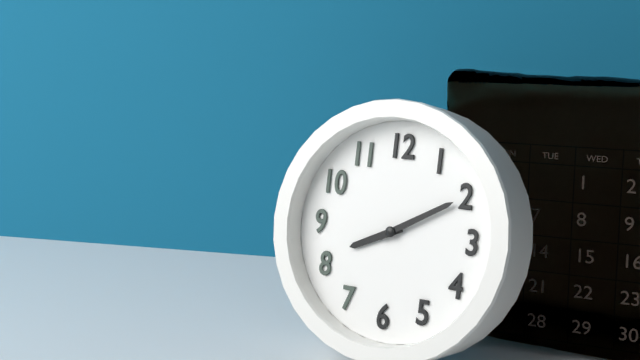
8.10
